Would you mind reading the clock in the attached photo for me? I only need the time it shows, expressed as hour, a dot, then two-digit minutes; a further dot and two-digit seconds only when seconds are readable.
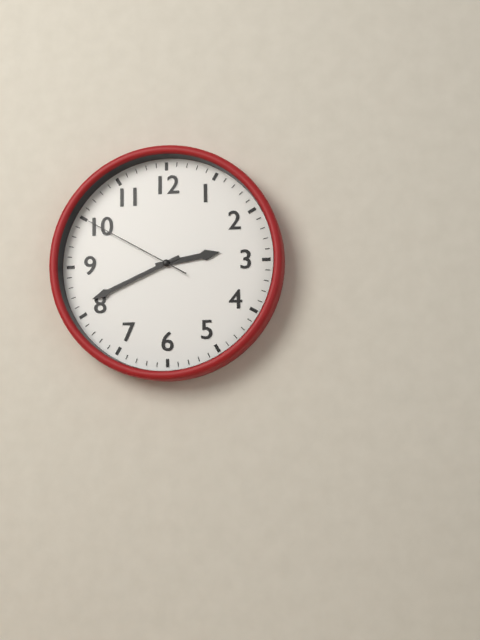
2.41.50
